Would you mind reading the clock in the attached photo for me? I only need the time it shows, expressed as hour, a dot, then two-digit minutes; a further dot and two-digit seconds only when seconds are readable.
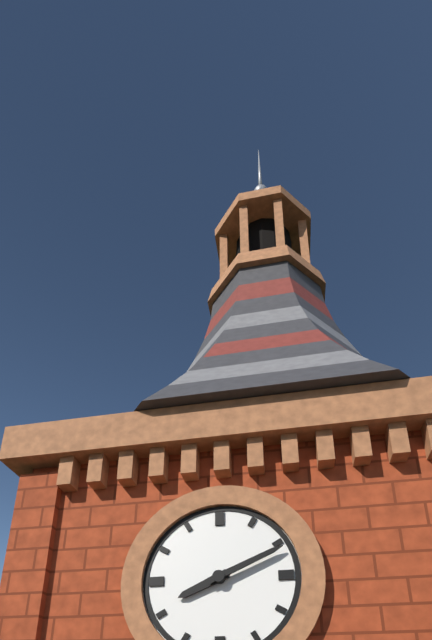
8.11
